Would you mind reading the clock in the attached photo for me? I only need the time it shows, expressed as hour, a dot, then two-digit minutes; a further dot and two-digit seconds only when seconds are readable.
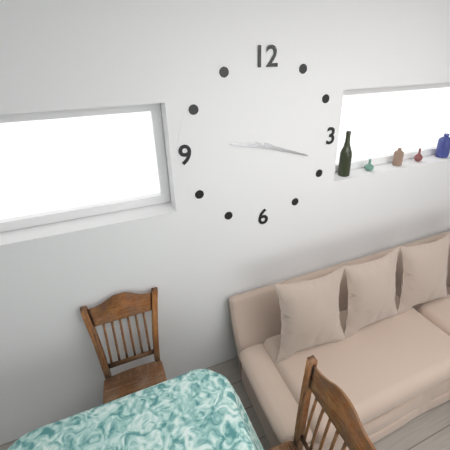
9.18
